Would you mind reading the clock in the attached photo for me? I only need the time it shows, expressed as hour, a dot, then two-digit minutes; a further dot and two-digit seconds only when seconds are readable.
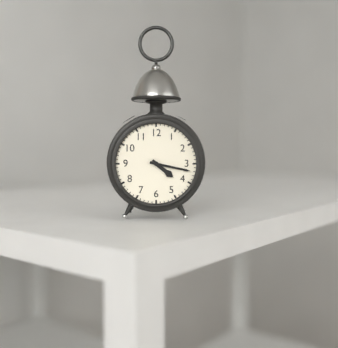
4.17
